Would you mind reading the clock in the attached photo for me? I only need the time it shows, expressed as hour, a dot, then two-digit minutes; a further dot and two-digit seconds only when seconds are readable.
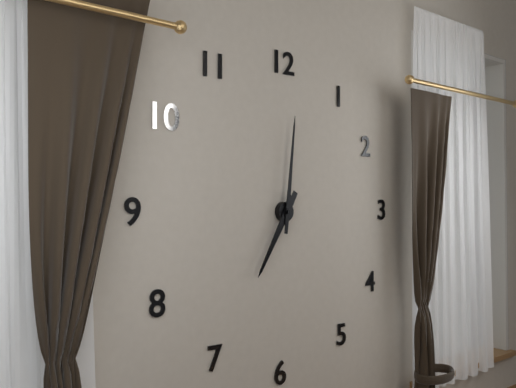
7.01
